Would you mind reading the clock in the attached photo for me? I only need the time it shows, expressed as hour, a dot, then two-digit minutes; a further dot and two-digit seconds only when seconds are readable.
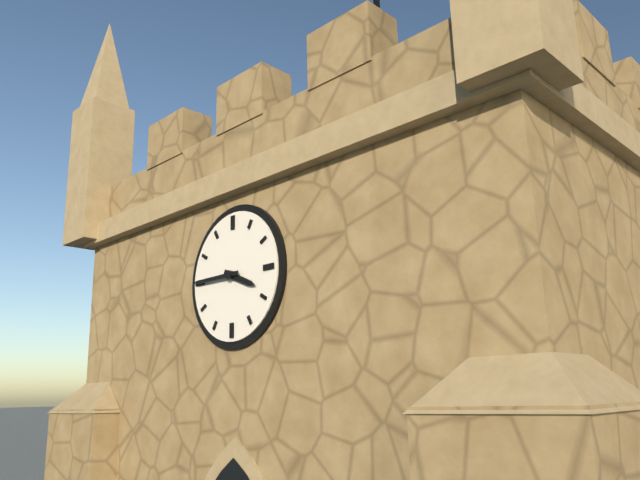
3.45
